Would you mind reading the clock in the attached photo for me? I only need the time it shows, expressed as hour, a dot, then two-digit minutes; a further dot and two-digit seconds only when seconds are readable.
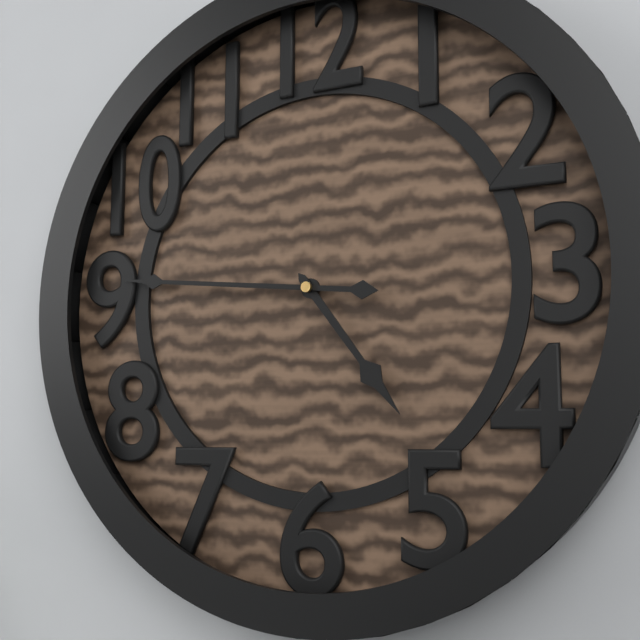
4.46
